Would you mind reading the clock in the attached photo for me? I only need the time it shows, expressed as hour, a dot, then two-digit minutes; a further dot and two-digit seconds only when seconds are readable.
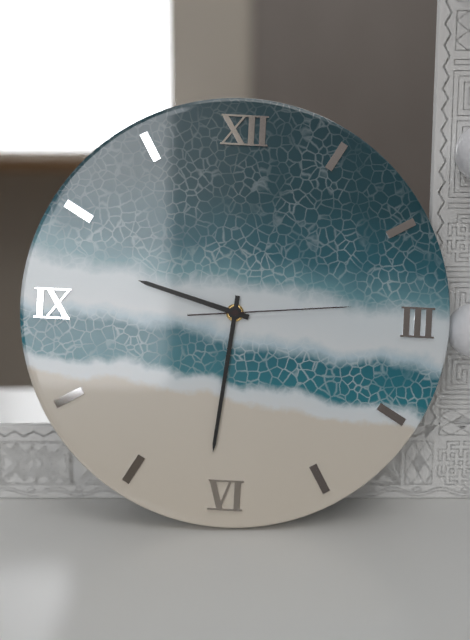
9.31.14
